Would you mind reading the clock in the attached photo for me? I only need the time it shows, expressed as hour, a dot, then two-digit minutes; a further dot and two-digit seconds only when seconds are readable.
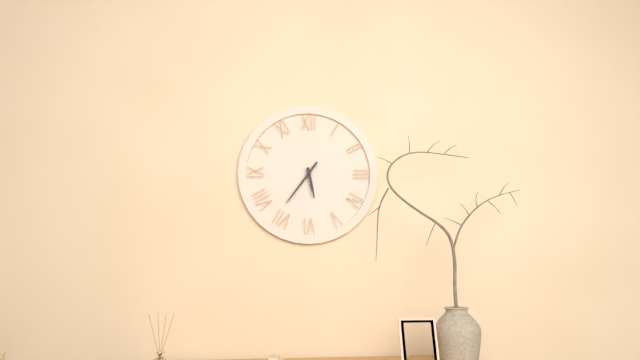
5.36
